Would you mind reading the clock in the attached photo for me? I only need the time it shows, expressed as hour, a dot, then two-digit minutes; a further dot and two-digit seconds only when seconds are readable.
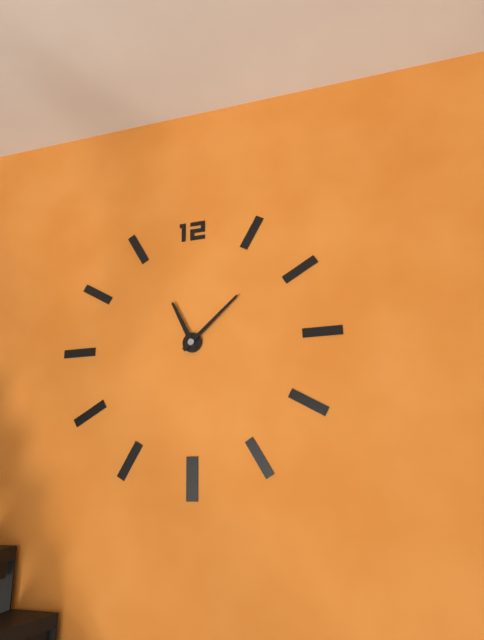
11.08
